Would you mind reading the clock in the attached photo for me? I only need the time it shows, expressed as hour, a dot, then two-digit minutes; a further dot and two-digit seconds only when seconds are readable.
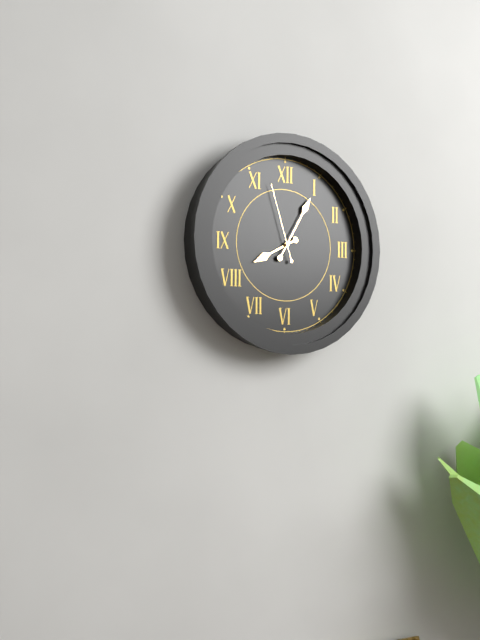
8.05.57
